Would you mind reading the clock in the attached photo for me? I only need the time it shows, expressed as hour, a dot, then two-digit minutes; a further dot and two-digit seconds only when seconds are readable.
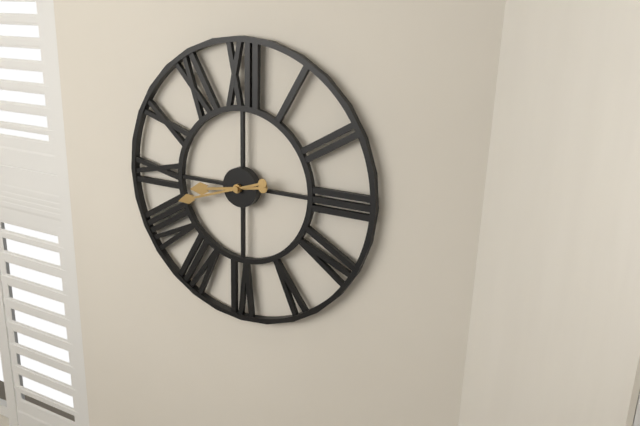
8.42
